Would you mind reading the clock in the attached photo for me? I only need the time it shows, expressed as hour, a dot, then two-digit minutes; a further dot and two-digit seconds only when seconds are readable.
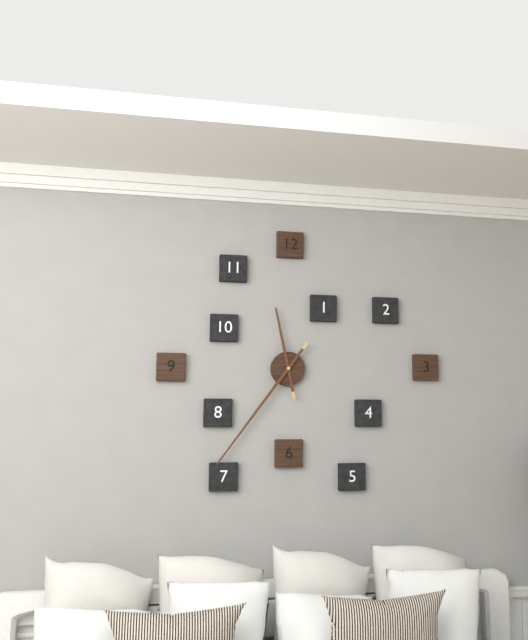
11.36
